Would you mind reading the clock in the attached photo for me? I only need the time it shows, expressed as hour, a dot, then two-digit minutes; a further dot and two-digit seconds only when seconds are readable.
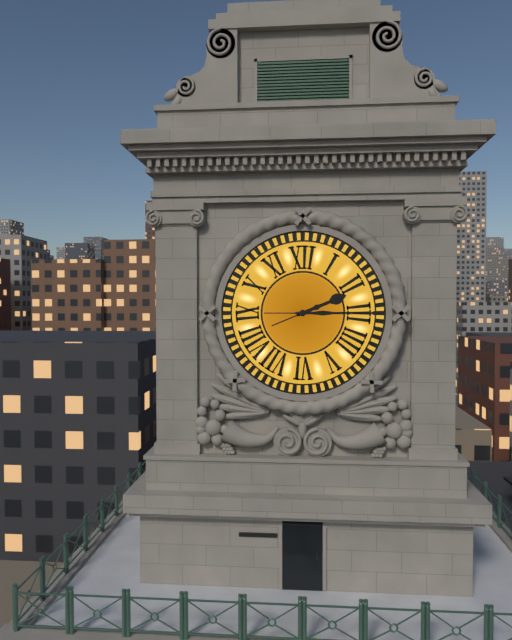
2.15
